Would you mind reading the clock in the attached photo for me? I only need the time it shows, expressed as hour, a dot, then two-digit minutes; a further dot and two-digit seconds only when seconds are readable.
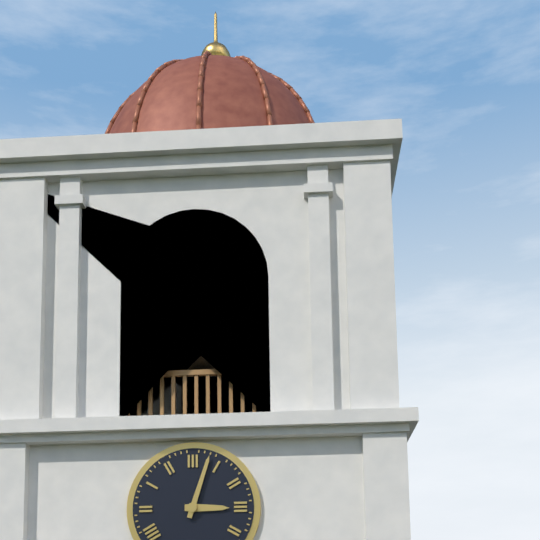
3.03
